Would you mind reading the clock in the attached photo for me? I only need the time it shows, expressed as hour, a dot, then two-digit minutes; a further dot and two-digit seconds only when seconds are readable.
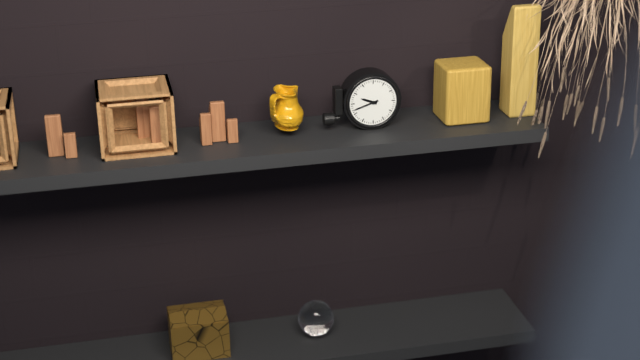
9.42
